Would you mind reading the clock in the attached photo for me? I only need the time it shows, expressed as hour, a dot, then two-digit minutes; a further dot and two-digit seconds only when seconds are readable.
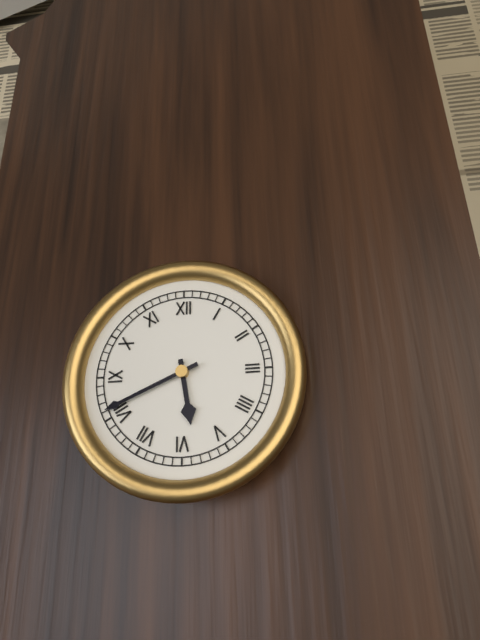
5.41
